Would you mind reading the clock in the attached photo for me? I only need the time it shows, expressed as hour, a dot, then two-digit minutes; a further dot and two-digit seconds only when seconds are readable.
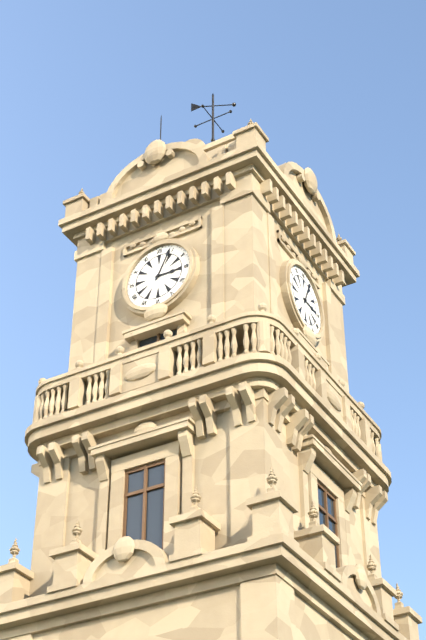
3.04
